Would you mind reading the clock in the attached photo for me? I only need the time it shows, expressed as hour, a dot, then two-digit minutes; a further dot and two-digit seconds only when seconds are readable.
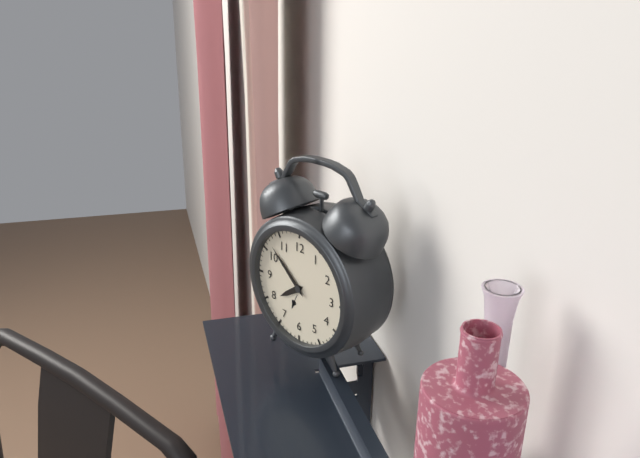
7.52
